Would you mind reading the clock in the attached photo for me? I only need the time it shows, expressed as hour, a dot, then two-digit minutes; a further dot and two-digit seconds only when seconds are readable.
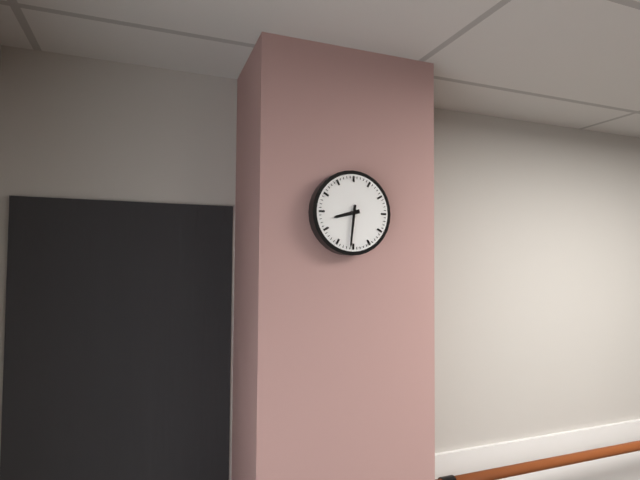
8.31
